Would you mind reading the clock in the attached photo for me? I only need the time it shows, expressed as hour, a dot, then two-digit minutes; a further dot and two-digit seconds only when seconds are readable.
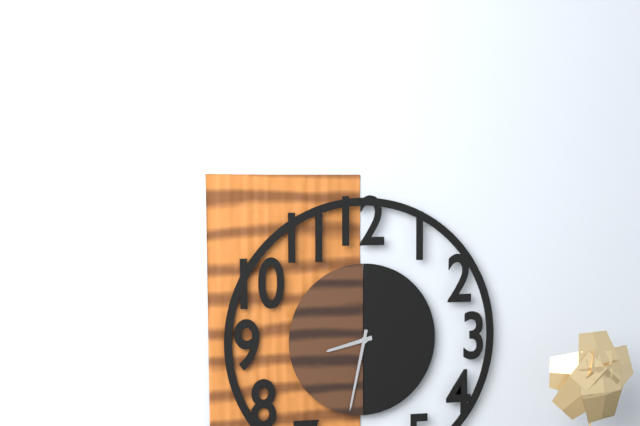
8.32
